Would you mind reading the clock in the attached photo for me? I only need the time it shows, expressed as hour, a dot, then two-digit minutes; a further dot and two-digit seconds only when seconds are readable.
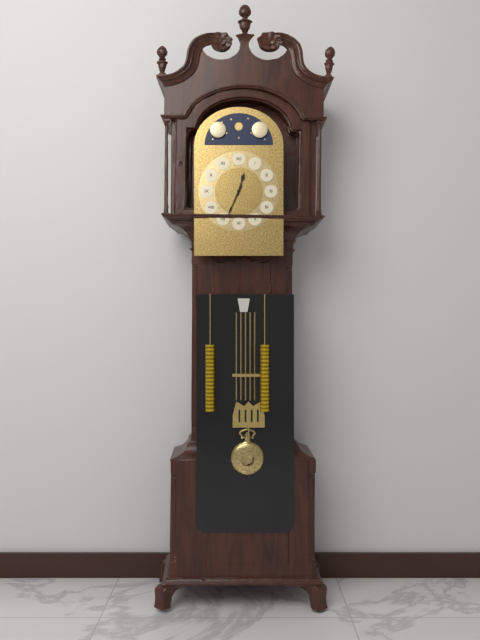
12.34
